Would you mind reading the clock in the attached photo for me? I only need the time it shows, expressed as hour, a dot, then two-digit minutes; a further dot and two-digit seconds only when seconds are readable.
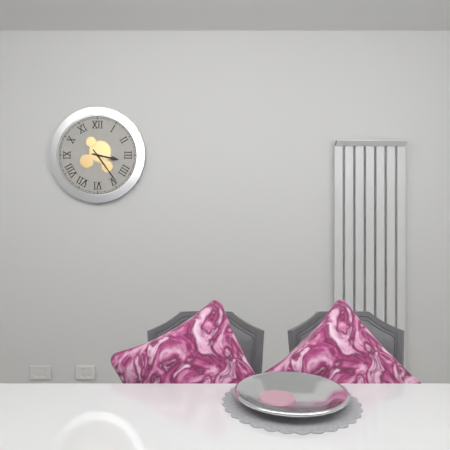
3.24
